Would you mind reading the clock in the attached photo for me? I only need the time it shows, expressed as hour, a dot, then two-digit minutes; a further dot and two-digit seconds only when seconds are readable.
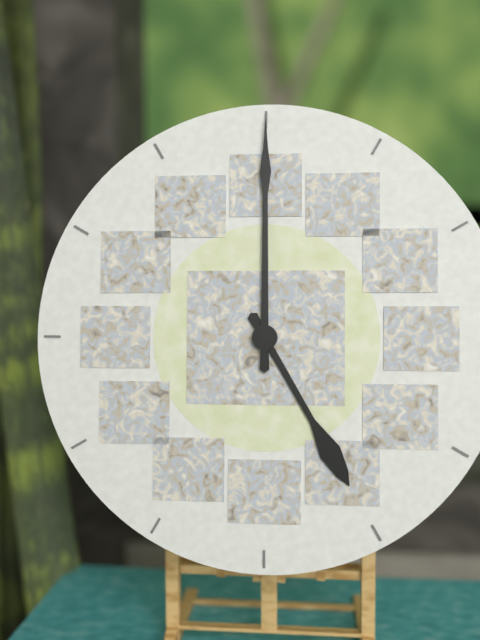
5.00
